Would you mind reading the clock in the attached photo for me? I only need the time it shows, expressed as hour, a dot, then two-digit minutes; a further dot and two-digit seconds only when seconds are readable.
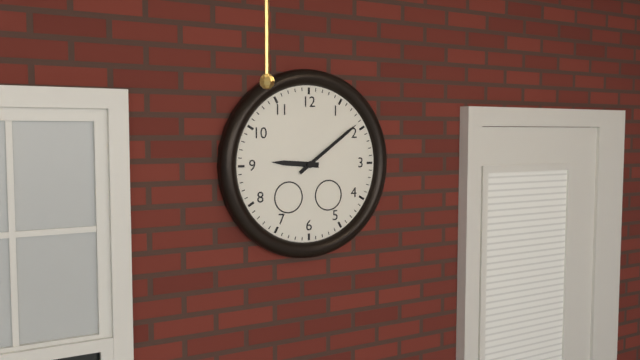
9.09
